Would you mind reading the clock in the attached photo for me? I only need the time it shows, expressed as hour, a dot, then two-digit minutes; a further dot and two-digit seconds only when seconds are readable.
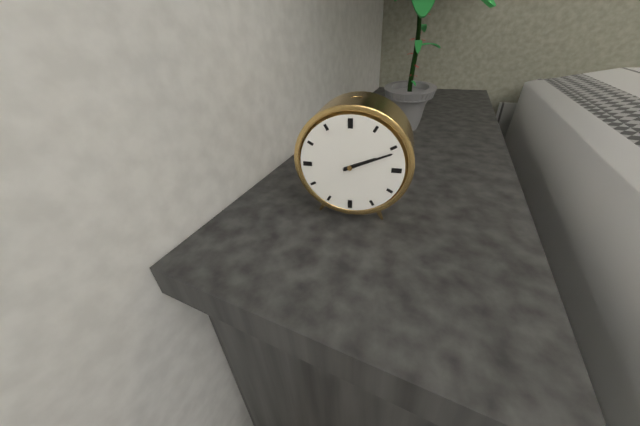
2.11
